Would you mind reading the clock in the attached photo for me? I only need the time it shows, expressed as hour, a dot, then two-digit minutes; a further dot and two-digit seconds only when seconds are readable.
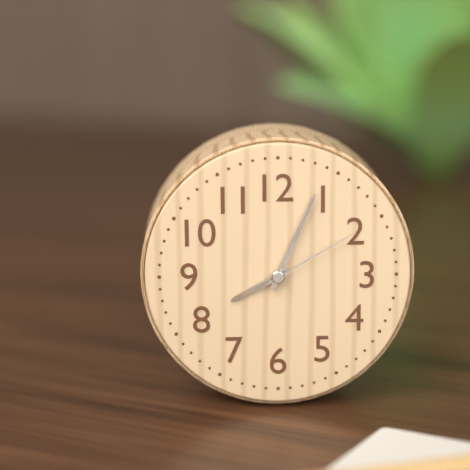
8.04.10
